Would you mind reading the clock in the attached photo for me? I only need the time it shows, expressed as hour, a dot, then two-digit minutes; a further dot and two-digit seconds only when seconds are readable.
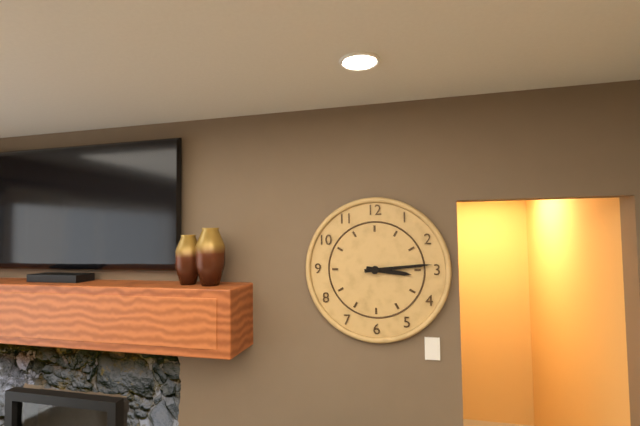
3.14
